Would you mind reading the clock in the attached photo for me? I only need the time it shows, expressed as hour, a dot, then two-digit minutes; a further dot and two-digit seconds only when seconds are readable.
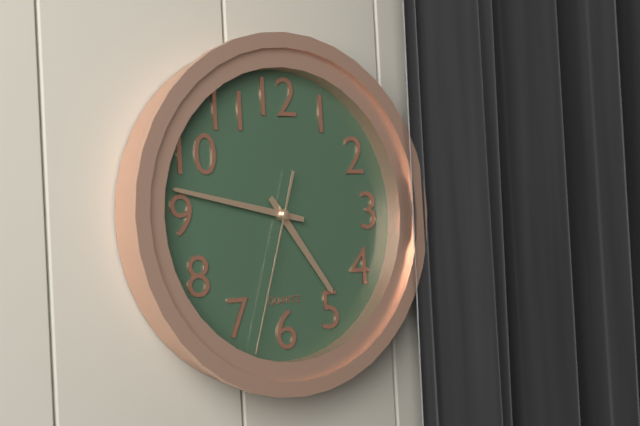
4.47.33
